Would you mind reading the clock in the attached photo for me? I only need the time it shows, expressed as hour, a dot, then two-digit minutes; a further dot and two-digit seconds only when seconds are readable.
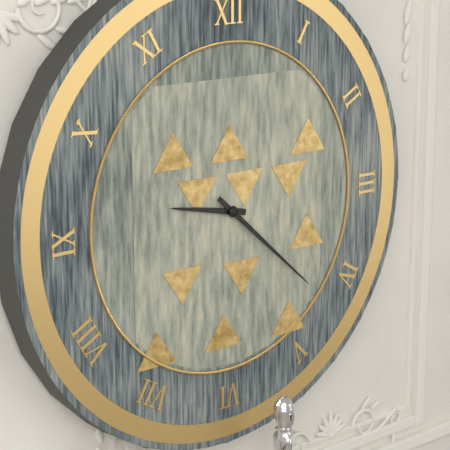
9.22
